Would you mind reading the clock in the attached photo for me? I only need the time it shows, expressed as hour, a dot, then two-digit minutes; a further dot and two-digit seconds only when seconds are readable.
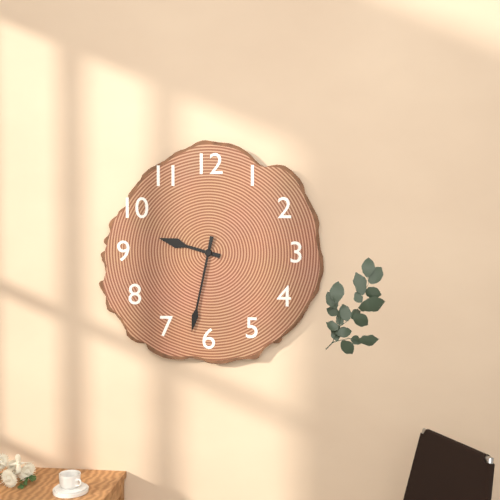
9.32
